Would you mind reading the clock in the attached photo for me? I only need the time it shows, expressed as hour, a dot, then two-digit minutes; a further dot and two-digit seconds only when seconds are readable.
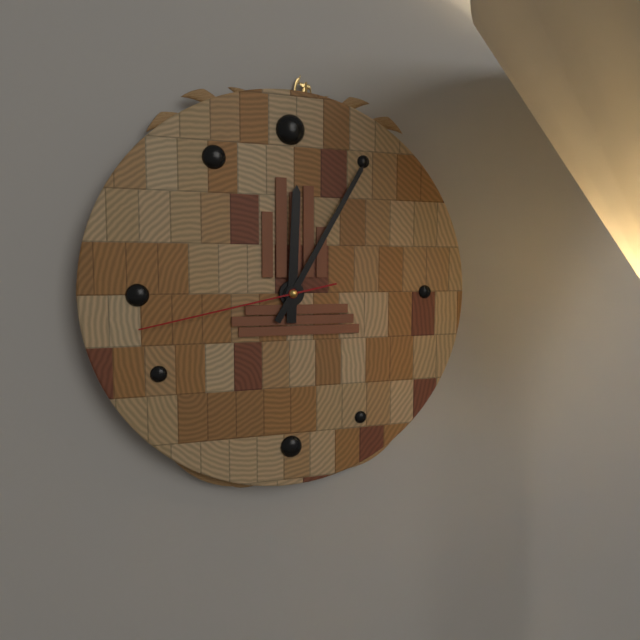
12.05.43
